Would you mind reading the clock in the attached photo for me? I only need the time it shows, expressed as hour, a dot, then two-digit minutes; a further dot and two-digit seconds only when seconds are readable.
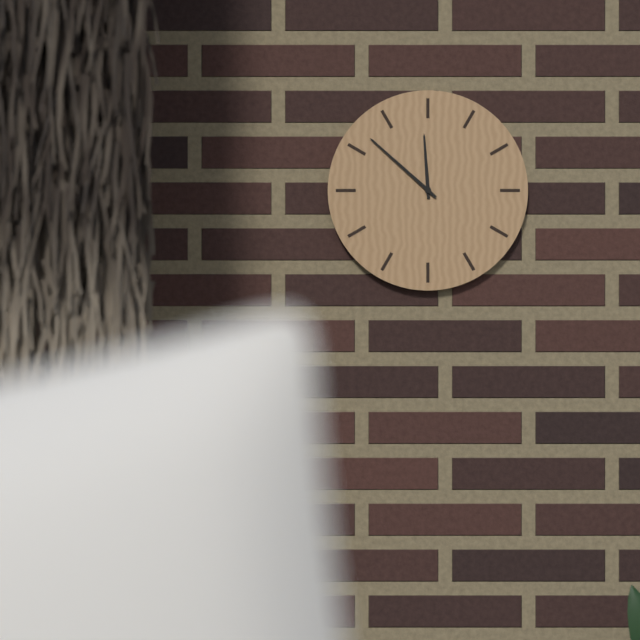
11.52
